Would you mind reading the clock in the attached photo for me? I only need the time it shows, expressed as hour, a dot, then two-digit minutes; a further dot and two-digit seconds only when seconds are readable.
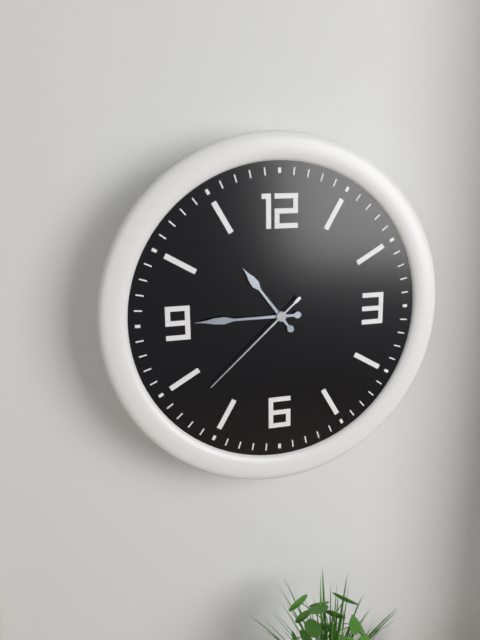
10.45.38
